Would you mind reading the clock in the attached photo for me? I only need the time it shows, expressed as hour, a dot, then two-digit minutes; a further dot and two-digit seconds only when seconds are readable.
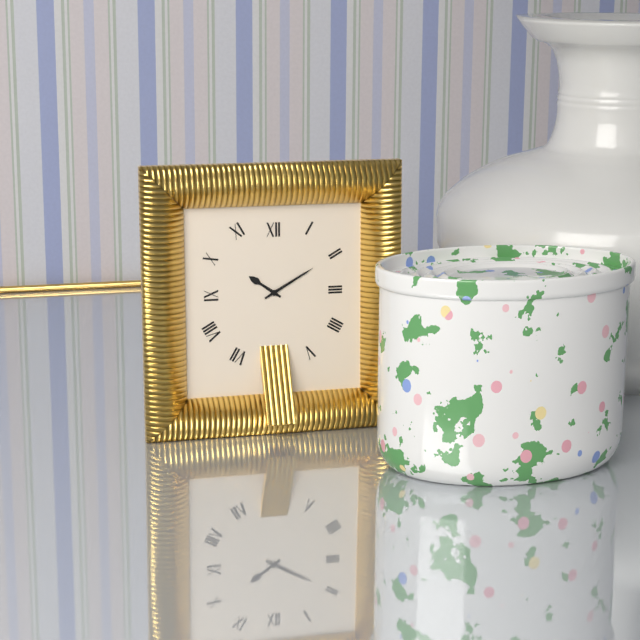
10.10
